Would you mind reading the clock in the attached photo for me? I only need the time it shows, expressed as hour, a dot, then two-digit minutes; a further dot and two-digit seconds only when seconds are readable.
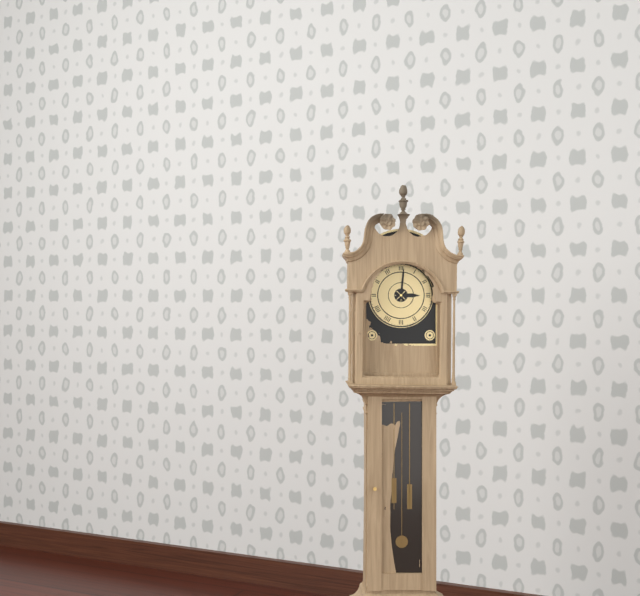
3.01
